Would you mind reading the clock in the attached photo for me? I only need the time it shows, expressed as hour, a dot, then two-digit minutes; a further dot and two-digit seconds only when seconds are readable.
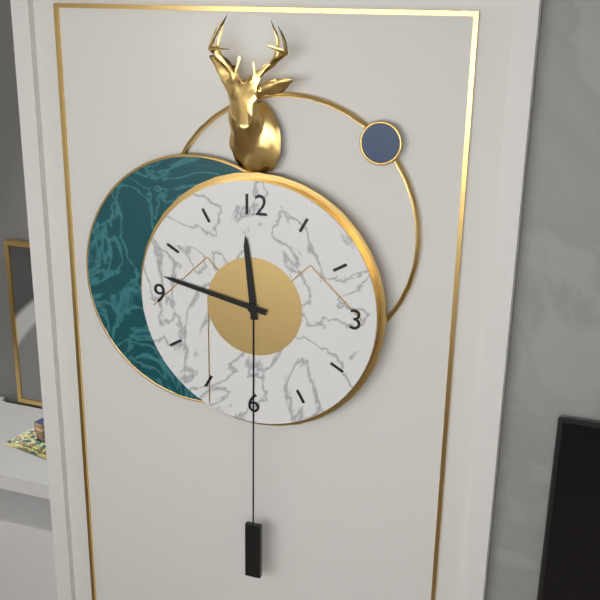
11.47
